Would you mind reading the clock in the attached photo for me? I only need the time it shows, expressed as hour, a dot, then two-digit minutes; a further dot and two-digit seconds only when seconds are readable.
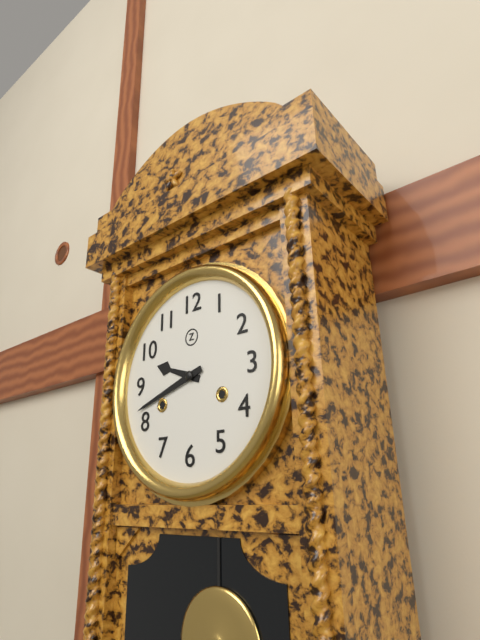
9.42
